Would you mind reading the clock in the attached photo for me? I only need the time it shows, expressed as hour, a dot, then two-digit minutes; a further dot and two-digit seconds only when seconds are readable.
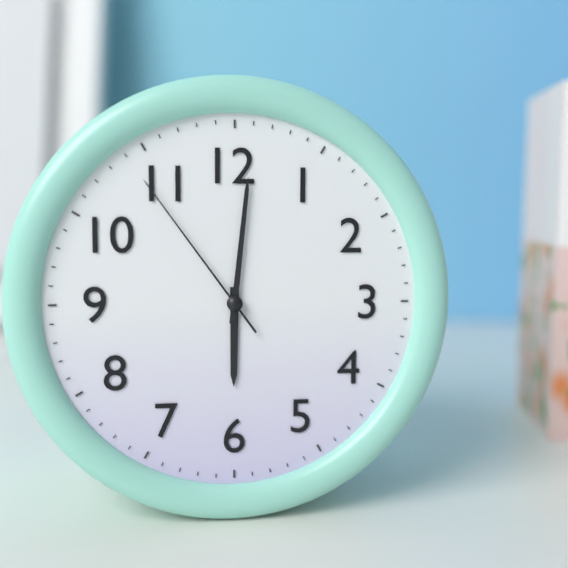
6.01.54
